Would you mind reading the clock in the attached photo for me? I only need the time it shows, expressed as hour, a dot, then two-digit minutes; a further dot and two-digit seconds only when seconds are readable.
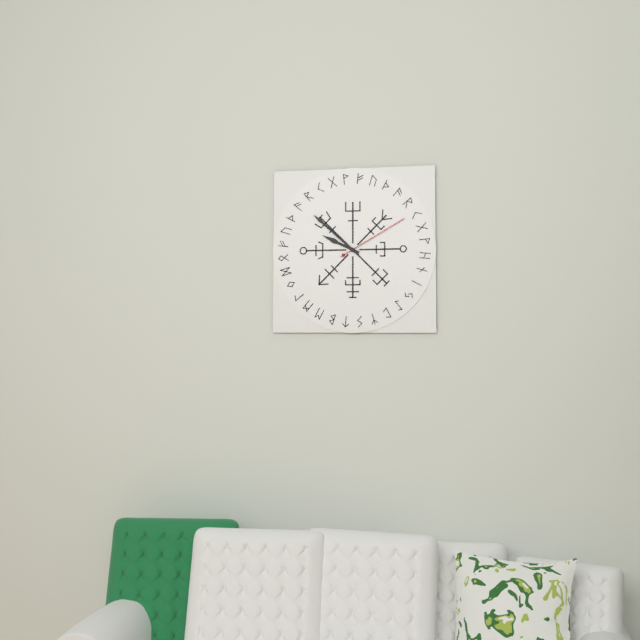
9.52.10
